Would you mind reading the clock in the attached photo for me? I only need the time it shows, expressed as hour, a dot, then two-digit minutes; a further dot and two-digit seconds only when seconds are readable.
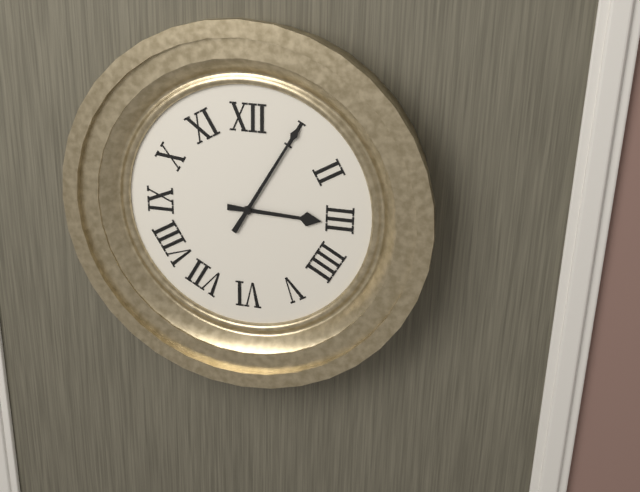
3.05
